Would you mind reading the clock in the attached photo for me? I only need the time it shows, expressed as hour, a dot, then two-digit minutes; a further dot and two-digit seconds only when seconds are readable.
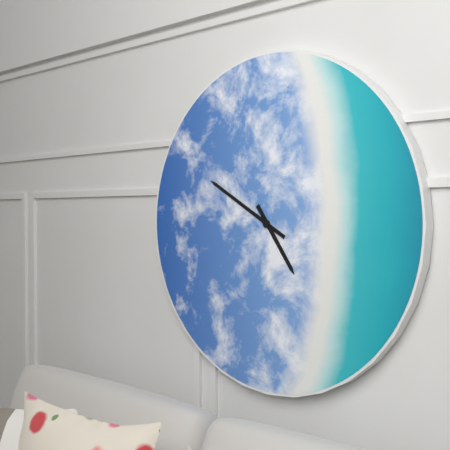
4.50
